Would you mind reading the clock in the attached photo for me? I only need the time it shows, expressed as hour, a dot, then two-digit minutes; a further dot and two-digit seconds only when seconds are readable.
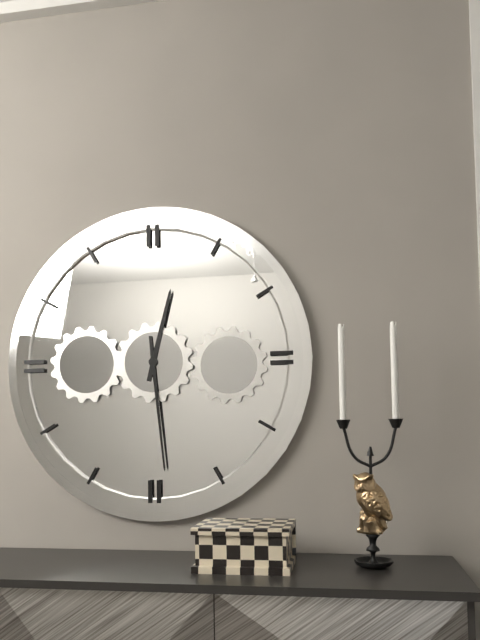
12.29
